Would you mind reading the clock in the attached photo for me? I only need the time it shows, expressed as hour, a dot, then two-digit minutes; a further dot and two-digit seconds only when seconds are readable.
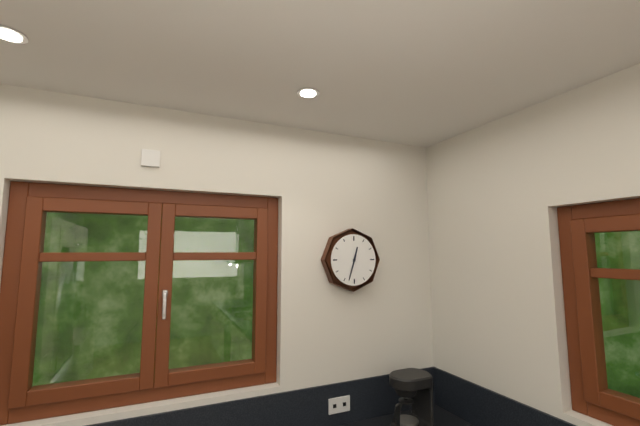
12.33
